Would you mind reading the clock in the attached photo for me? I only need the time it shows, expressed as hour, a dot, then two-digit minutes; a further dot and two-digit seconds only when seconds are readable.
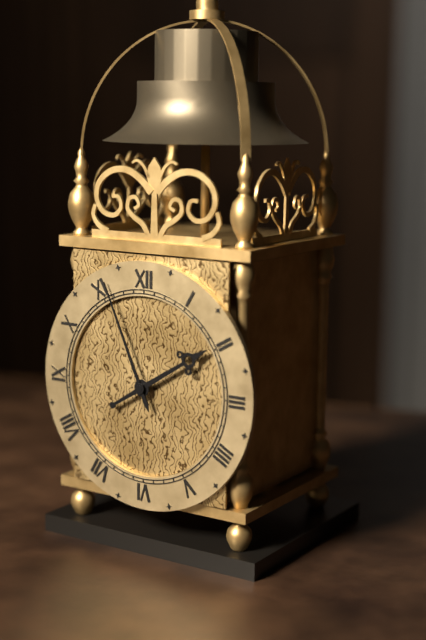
1.56
